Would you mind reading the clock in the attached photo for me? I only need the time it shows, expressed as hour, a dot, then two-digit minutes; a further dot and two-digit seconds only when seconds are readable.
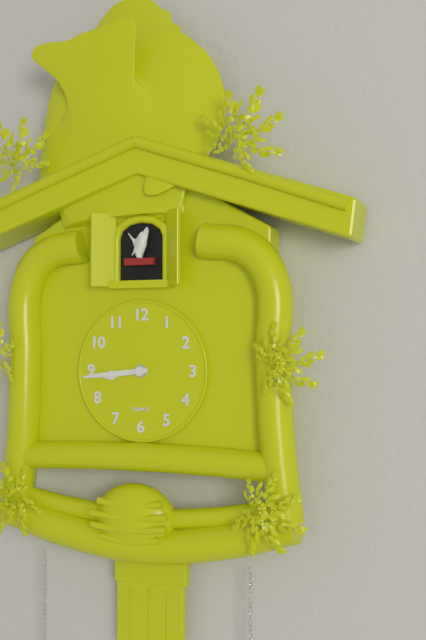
8.44
